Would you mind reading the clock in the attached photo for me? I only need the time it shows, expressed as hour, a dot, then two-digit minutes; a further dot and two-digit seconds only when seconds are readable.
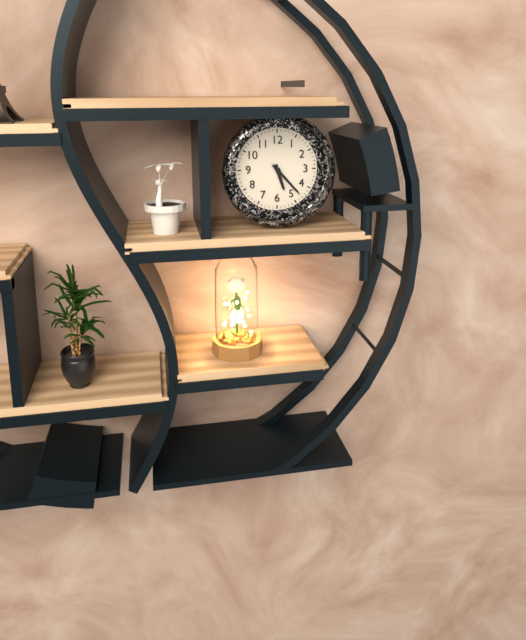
5.23
